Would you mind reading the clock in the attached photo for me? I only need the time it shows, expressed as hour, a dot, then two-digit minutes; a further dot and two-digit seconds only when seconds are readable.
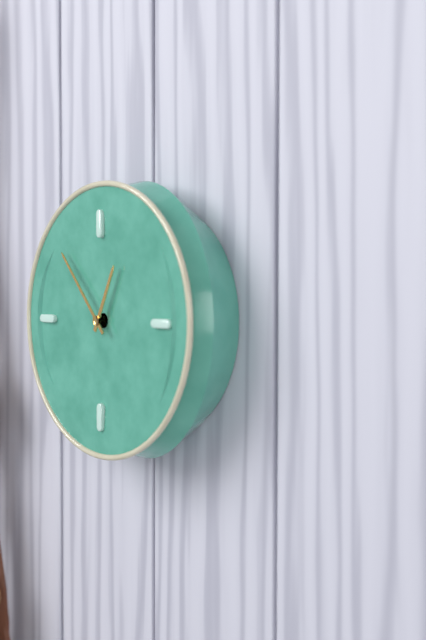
12.53
